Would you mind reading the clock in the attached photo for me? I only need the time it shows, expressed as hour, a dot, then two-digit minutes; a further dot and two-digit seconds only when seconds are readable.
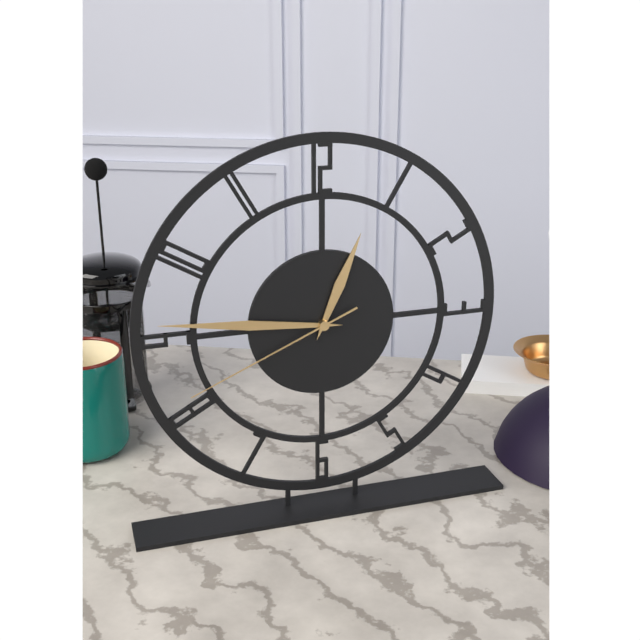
12.46.41
